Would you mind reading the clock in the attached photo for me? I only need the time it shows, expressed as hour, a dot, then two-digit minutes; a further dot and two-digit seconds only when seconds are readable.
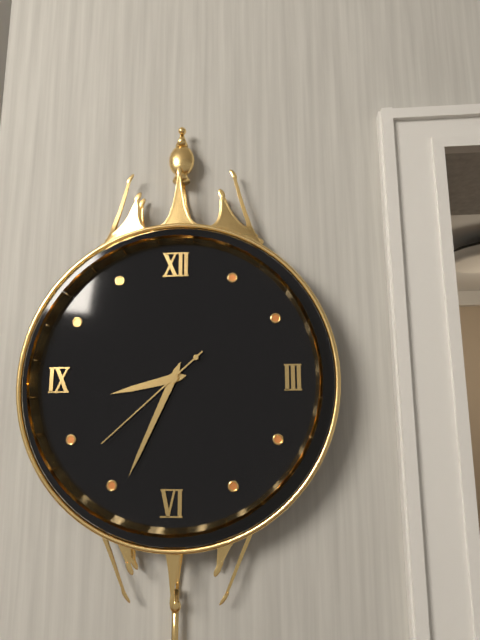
8.34.38
